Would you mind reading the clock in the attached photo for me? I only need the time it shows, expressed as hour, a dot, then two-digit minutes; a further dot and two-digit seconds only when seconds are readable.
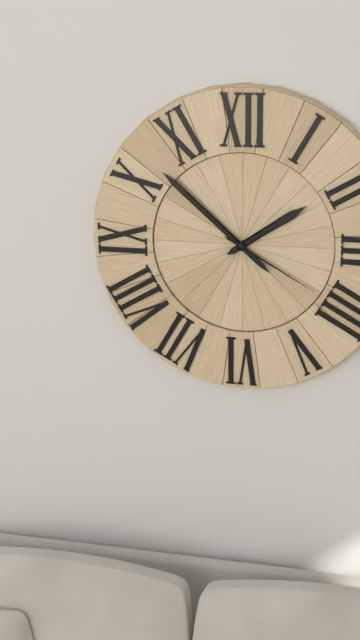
1.52.20
